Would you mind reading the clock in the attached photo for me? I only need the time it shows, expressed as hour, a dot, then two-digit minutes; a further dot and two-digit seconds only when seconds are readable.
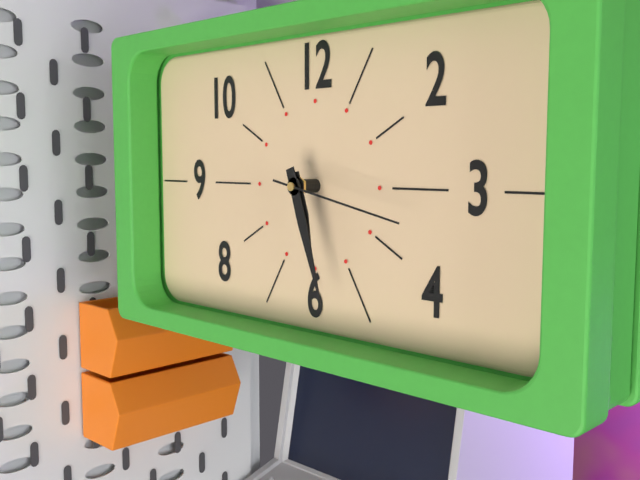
5.27.17
